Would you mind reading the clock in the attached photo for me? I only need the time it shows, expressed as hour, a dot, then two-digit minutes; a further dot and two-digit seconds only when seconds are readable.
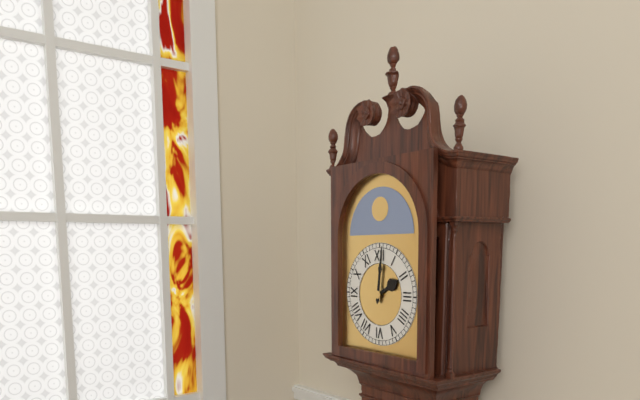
2.01
